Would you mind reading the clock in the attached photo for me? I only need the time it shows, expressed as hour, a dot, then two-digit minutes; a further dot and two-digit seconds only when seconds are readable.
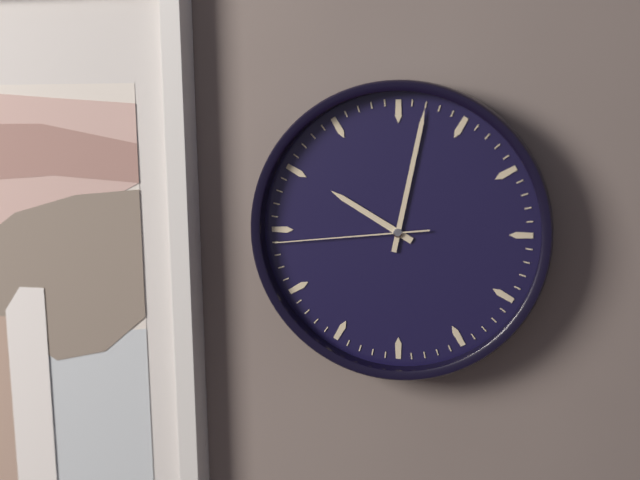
10.02.44
